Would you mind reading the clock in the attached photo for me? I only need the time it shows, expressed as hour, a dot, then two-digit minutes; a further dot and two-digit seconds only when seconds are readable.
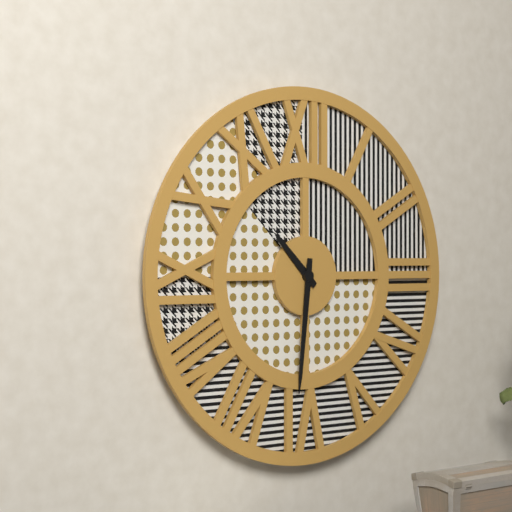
10.31
